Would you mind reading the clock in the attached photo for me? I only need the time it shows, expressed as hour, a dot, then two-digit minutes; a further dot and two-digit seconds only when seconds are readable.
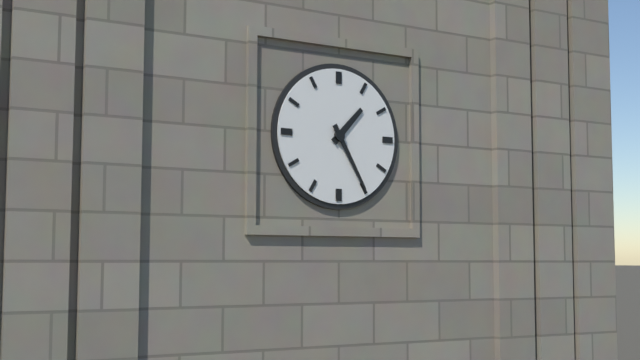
1.25
